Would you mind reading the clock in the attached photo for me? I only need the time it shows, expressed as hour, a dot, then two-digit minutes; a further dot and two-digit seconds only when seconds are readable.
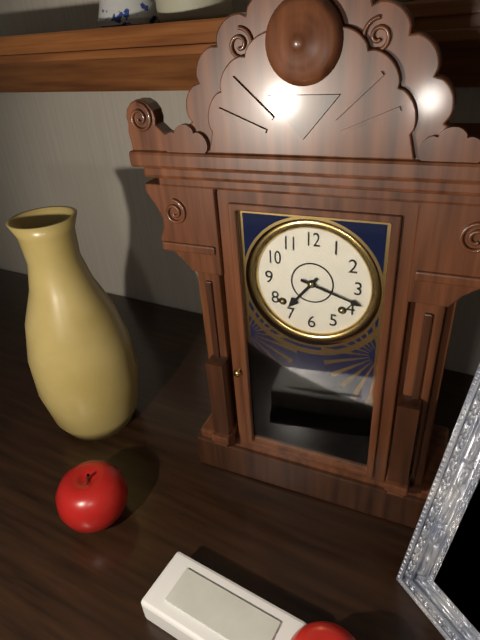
7.18
